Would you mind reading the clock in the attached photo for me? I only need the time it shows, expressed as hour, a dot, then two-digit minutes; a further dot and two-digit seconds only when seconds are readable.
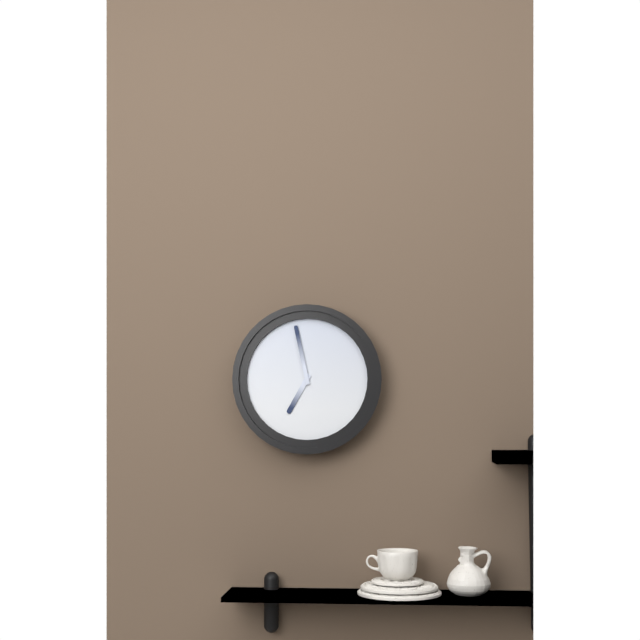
6.58
